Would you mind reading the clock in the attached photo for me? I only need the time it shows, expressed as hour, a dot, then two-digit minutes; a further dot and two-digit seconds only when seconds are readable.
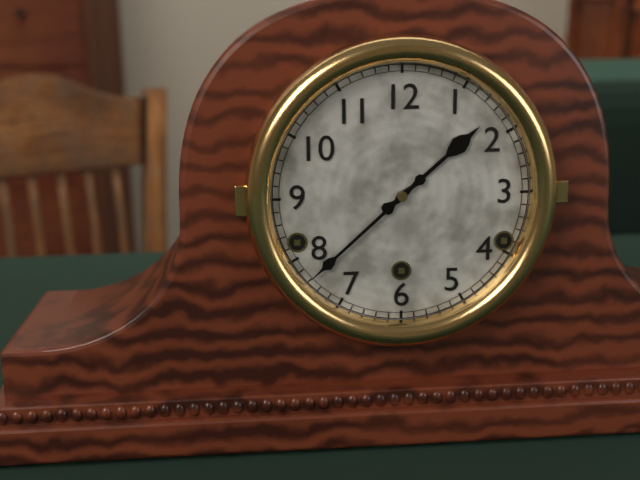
1.38
